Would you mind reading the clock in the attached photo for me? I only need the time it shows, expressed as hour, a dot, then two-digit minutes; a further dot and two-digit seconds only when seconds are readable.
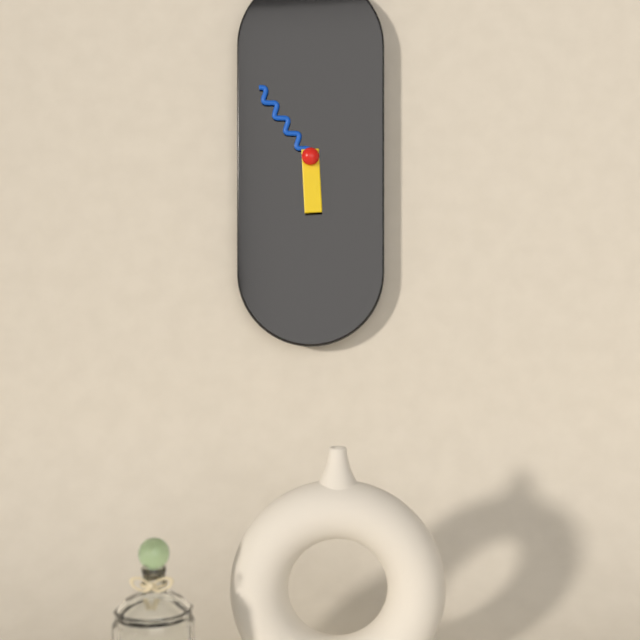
5.54
